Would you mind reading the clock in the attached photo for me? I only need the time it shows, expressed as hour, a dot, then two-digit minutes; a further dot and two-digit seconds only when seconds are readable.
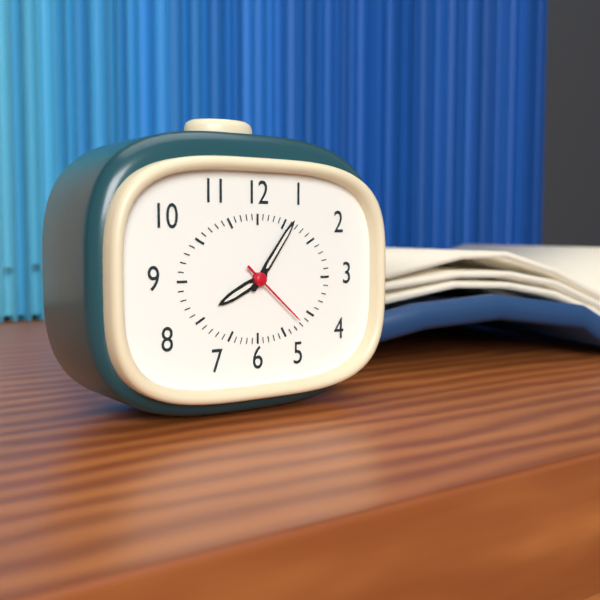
8.06.22
